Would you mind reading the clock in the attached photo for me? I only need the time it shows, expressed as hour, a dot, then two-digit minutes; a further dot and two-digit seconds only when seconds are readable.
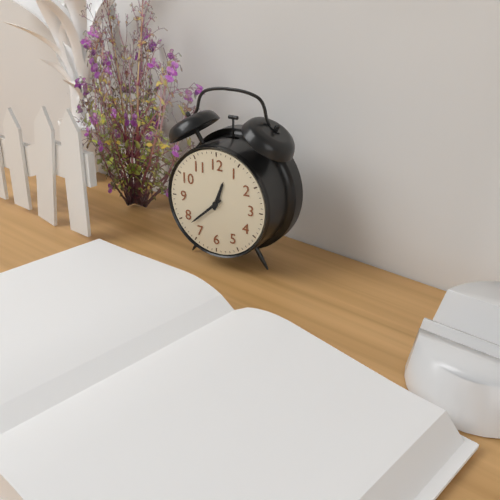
12.38
